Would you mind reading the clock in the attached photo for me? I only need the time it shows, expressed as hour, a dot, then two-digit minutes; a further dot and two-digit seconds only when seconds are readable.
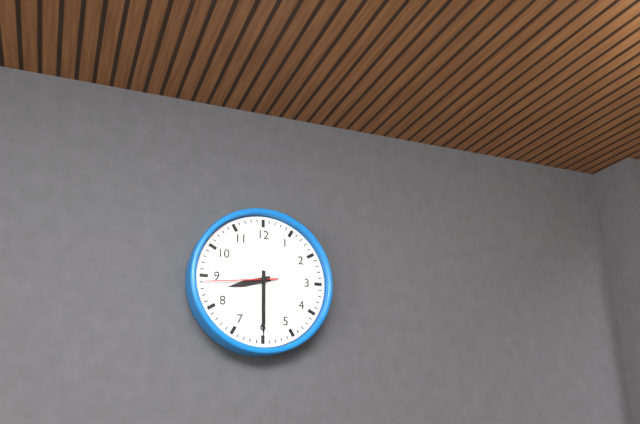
8.30.44
